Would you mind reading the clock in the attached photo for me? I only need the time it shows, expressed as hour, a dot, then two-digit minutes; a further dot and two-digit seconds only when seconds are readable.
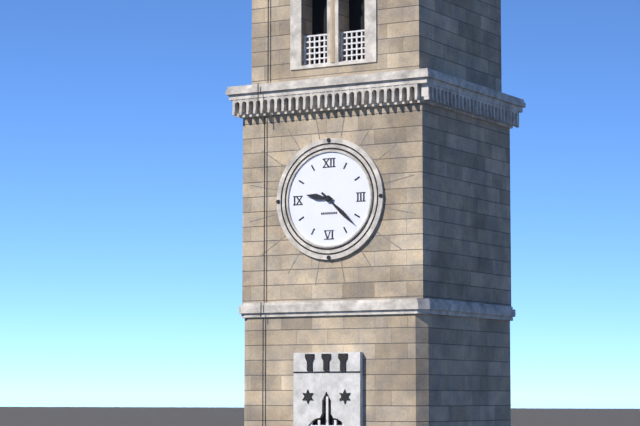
9.22
